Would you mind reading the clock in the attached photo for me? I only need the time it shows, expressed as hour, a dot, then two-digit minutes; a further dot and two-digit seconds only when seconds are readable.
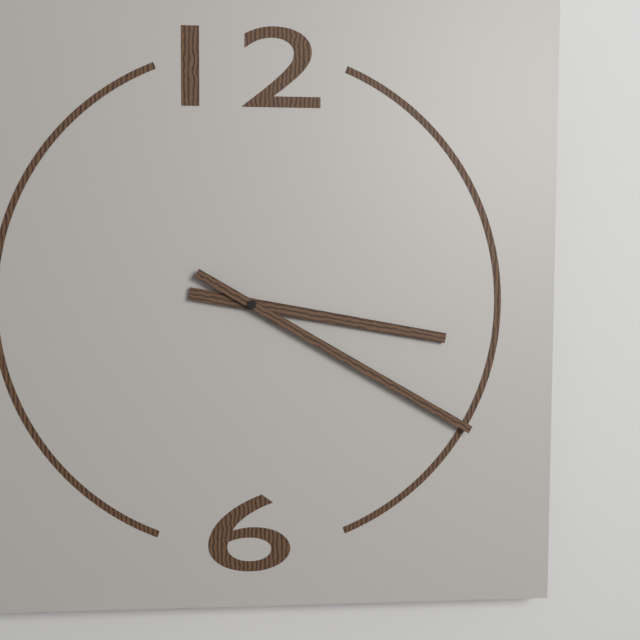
3.20
